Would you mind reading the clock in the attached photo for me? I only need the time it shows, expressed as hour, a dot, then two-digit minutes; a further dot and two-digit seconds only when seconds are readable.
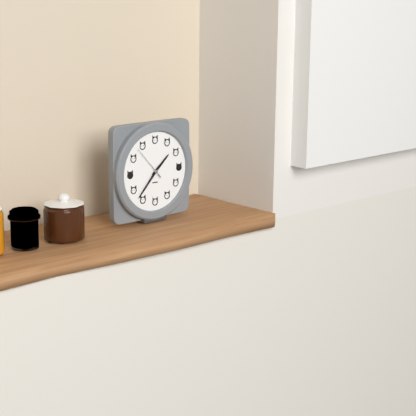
1.37
